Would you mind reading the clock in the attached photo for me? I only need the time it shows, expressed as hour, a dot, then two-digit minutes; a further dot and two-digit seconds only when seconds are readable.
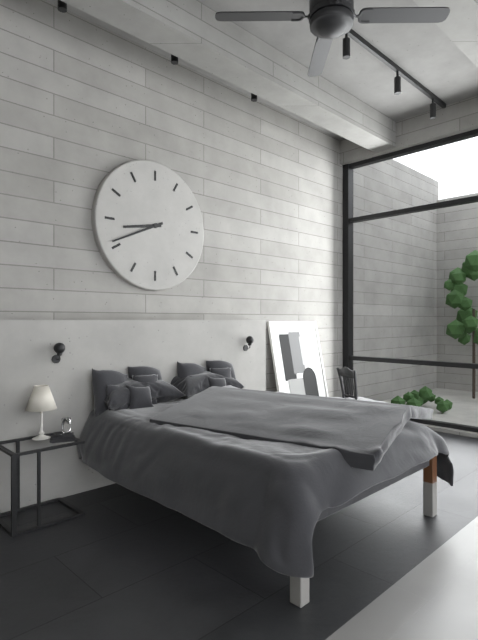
8.41
